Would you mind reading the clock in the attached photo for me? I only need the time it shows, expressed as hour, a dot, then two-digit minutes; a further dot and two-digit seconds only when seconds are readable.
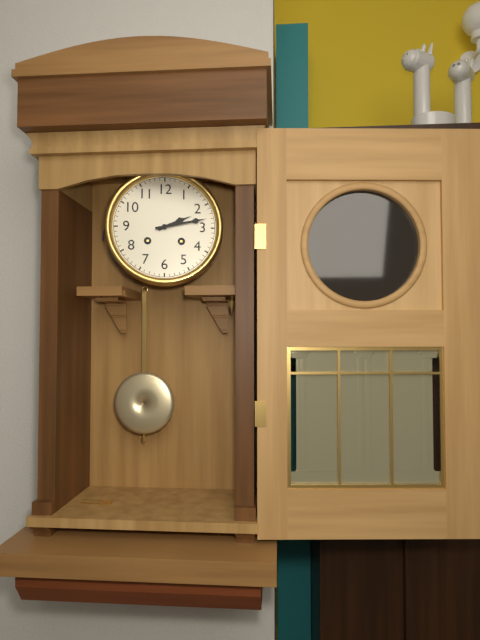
2.13
